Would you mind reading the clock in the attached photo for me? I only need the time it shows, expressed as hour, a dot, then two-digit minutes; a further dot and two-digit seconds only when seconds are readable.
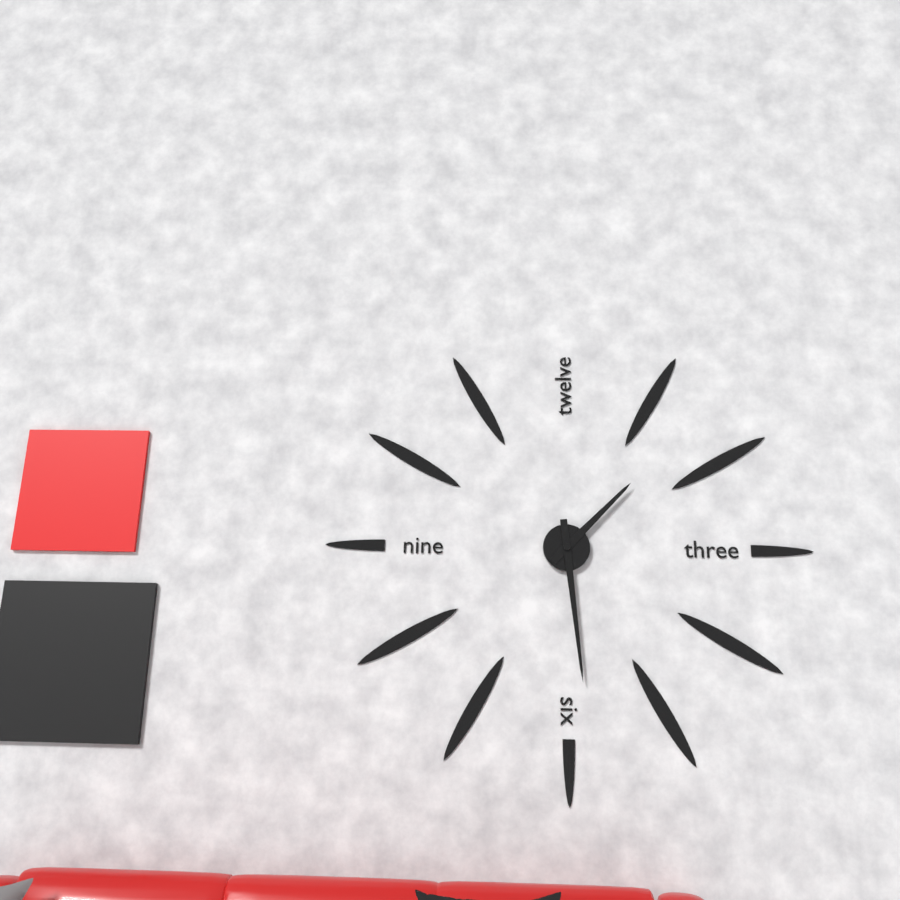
1.29
